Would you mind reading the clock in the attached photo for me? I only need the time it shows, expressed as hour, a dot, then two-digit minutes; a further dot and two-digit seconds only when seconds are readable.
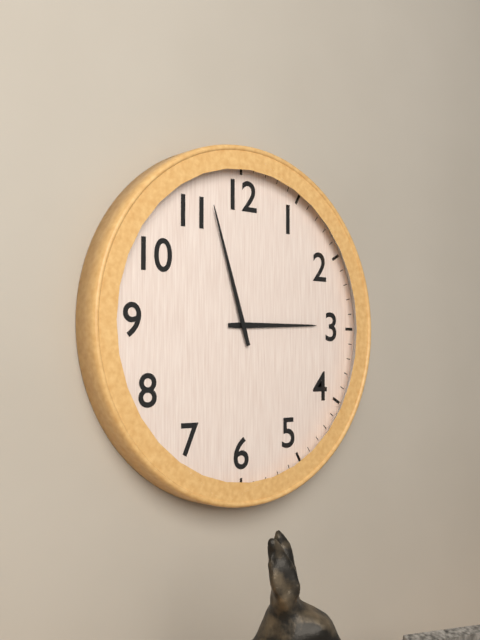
2.57
